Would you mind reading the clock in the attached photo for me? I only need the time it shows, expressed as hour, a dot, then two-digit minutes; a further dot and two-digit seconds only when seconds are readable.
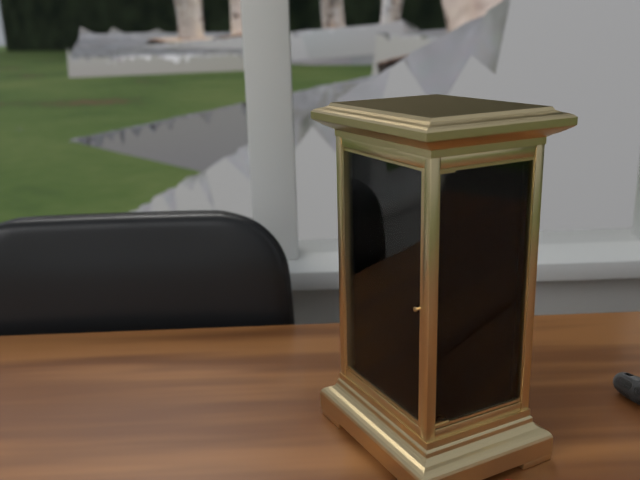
4.58
